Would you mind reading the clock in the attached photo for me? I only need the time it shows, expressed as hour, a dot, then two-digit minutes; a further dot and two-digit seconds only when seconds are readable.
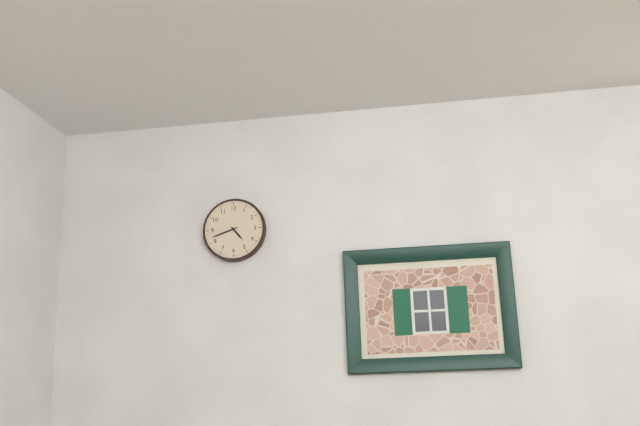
4.42
